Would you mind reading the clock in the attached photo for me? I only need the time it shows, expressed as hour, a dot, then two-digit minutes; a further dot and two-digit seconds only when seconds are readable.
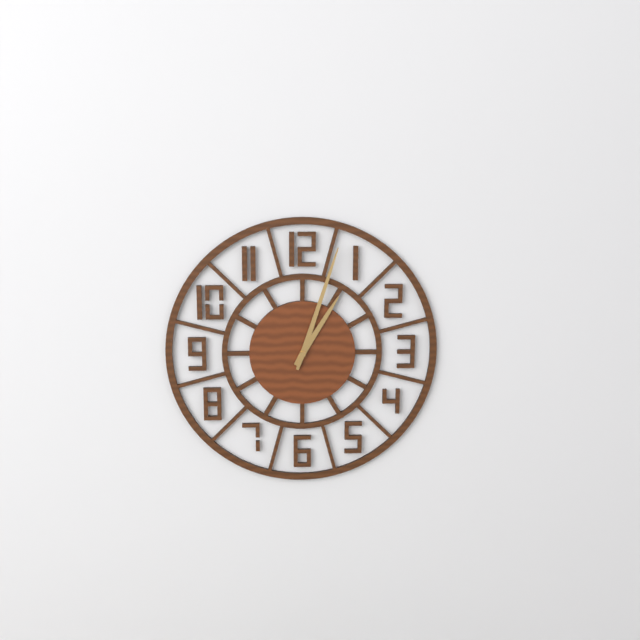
1.03
